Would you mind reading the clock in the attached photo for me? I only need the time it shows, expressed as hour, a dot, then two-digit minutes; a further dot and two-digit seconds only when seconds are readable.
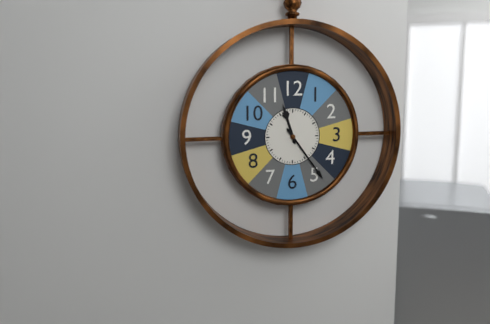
11.24
